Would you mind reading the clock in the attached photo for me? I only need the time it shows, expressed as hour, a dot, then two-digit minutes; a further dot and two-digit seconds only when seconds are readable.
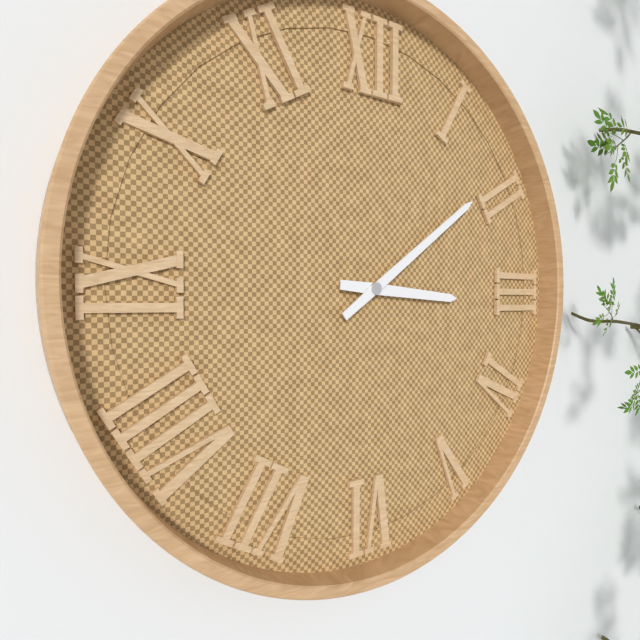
3.09
